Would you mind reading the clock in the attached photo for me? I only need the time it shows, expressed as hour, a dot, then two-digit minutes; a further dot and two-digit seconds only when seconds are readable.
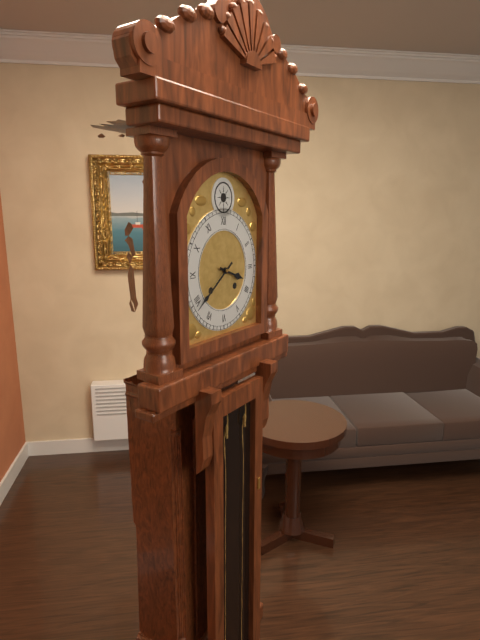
3.39
